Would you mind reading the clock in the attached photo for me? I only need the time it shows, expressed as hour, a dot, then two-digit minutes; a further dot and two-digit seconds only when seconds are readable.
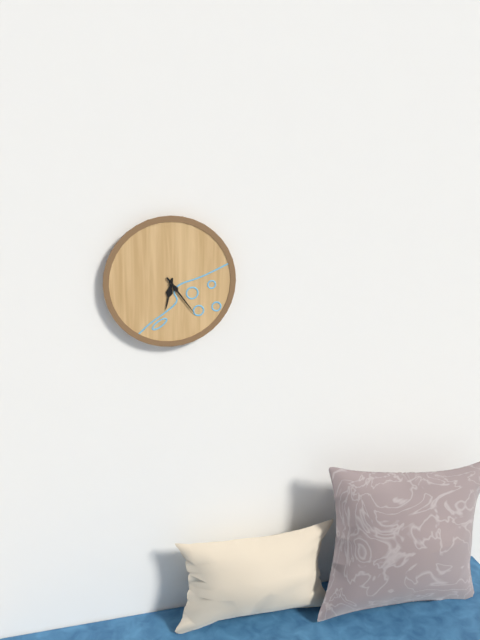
6.24
